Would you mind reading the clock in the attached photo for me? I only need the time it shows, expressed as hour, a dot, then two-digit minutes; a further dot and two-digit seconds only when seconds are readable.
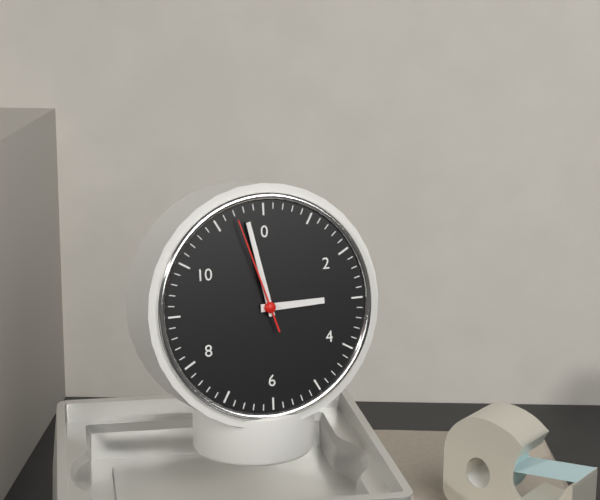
2.58.57
